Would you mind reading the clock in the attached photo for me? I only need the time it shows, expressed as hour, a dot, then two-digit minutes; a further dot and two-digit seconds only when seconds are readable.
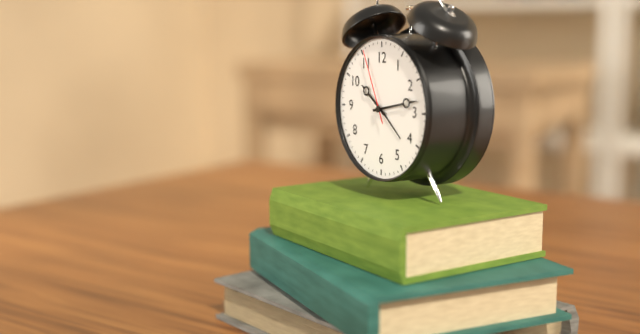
10.13.56
